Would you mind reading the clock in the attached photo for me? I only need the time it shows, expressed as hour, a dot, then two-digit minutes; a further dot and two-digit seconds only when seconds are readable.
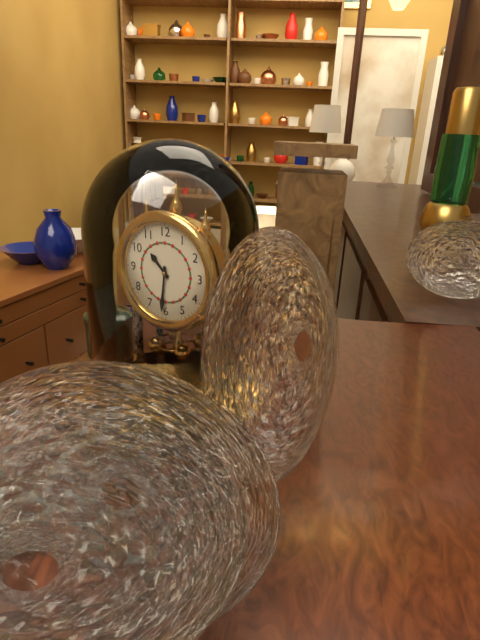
10.31
